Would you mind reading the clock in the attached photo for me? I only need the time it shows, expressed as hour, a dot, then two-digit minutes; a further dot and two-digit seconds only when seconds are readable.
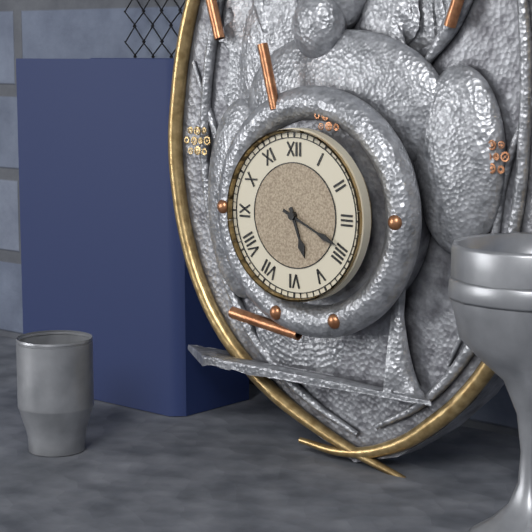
5.19
